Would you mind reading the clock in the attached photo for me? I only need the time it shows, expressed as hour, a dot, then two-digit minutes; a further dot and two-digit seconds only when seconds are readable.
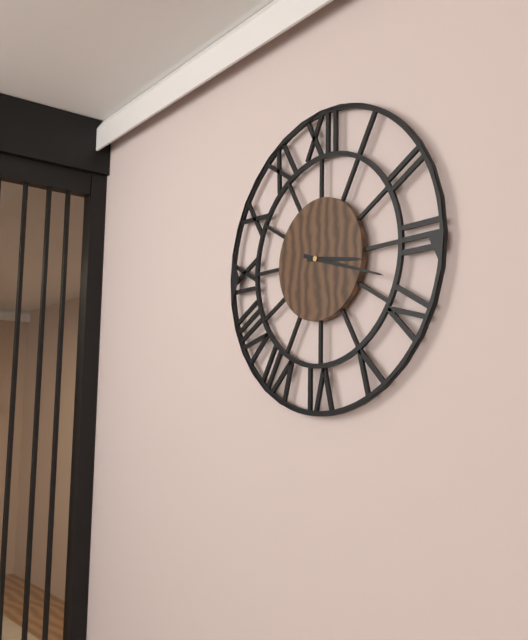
3.18
